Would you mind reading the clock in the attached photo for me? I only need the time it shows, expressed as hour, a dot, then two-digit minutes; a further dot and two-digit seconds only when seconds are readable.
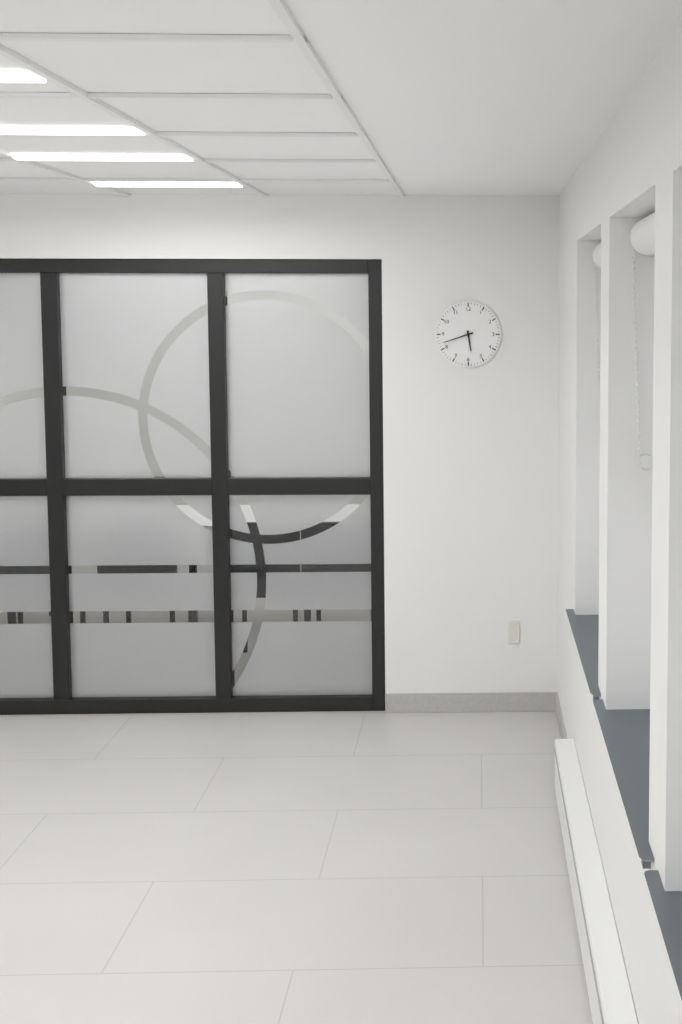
5.42
